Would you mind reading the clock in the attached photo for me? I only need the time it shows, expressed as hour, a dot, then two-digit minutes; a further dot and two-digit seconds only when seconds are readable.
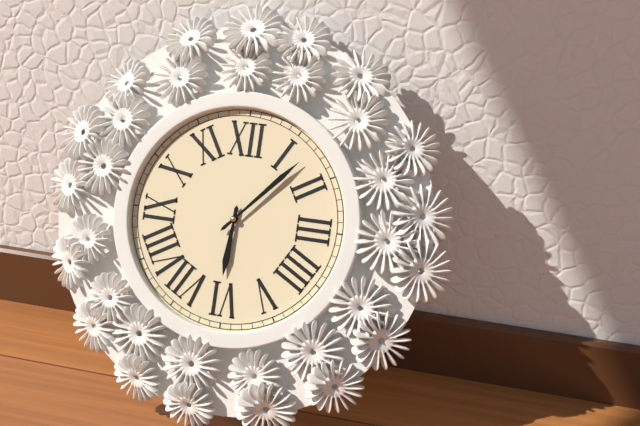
6.07
